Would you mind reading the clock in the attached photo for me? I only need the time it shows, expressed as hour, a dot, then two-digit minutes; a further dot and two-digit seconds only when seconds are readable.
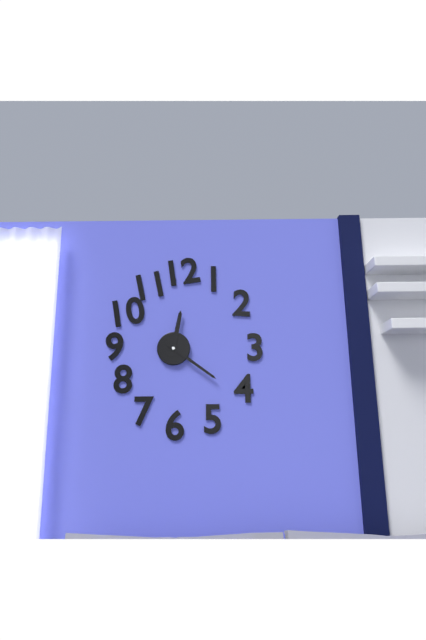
12.21
